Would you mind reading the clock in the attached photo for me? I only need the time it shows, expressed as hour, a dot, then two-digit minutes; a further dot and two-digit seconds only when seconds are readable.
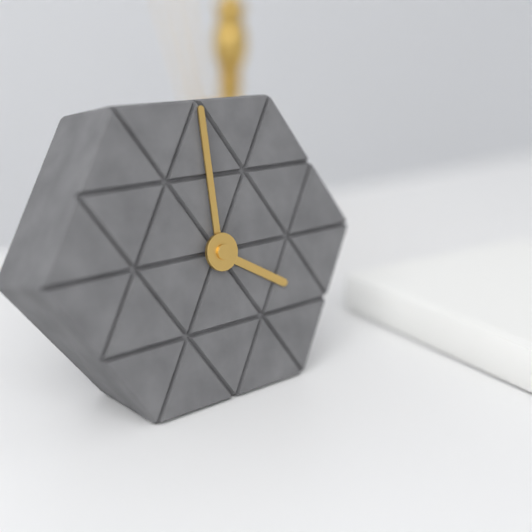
4.00
